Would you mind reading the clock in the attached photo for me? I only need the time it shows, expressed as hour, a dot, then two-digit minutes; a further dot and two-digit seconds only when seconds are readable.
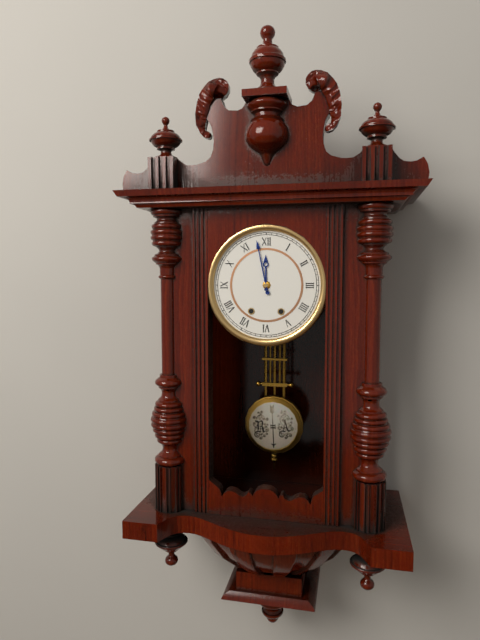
11.58
